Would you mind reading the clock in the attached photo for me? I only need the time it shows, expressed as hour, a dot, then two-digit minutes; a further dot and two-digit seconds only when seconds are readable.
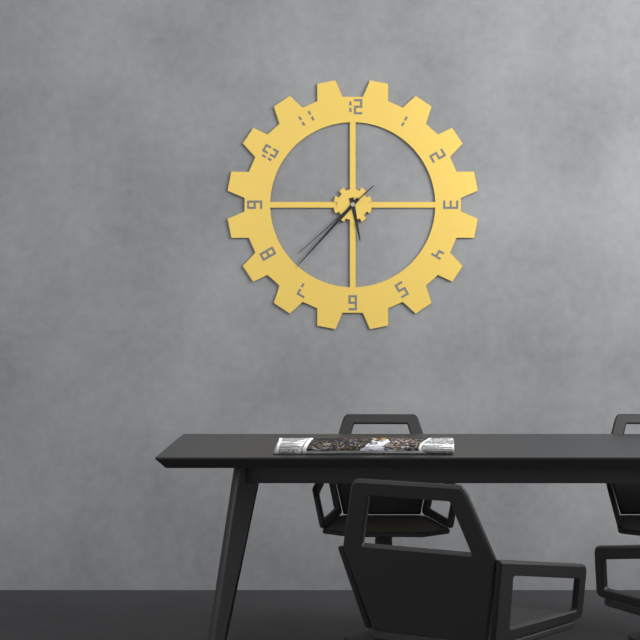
5.37.38
